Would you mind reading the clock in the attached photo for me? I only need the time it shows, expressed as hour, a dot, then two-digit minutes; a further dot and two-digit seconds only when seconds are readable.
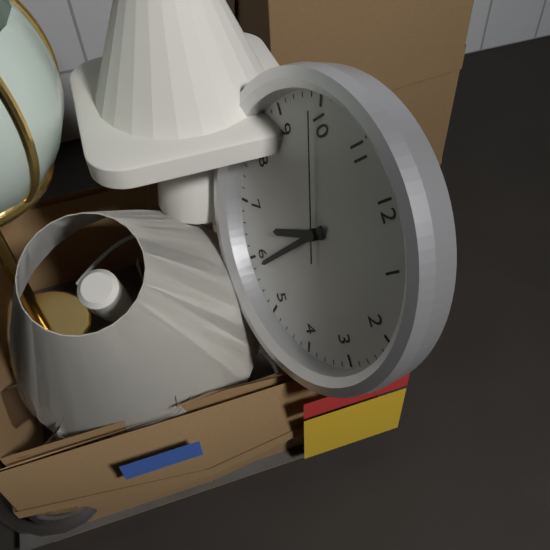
6.29.49
